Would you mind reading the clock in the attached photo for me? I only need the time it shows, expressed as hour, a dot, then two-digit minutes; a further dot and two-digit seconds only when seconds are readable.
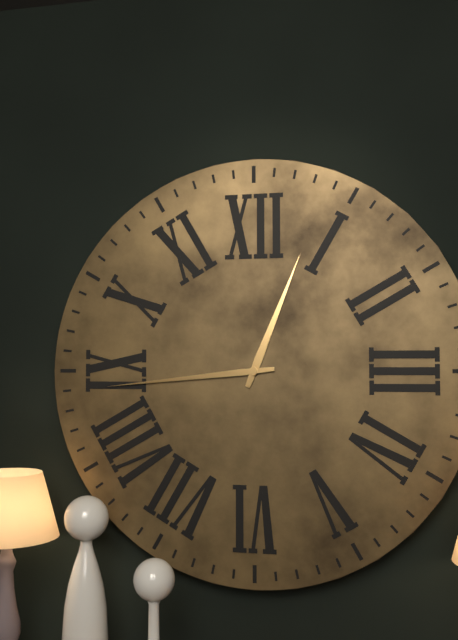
12.44
